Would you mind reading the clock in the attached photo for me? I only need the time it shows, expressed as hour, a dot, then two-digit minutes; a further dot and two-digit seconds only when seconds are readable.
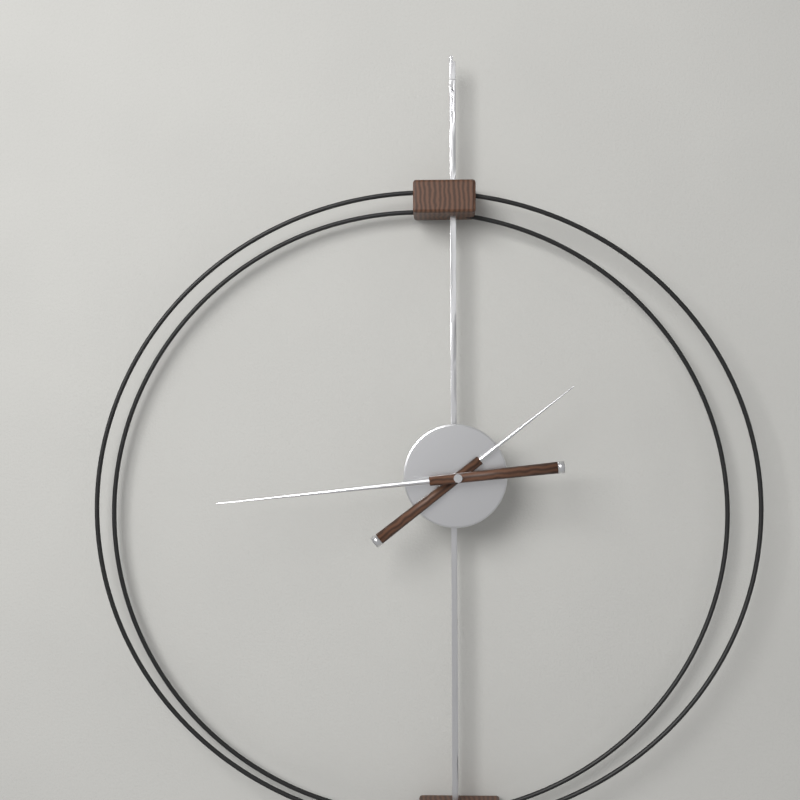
1.44
